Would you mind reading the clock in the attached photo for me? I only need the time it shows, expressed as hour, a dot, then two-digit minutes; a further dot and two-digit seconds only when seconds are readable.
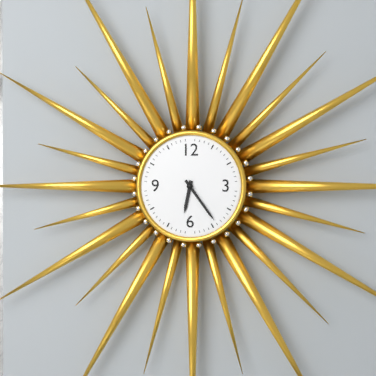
6.24
